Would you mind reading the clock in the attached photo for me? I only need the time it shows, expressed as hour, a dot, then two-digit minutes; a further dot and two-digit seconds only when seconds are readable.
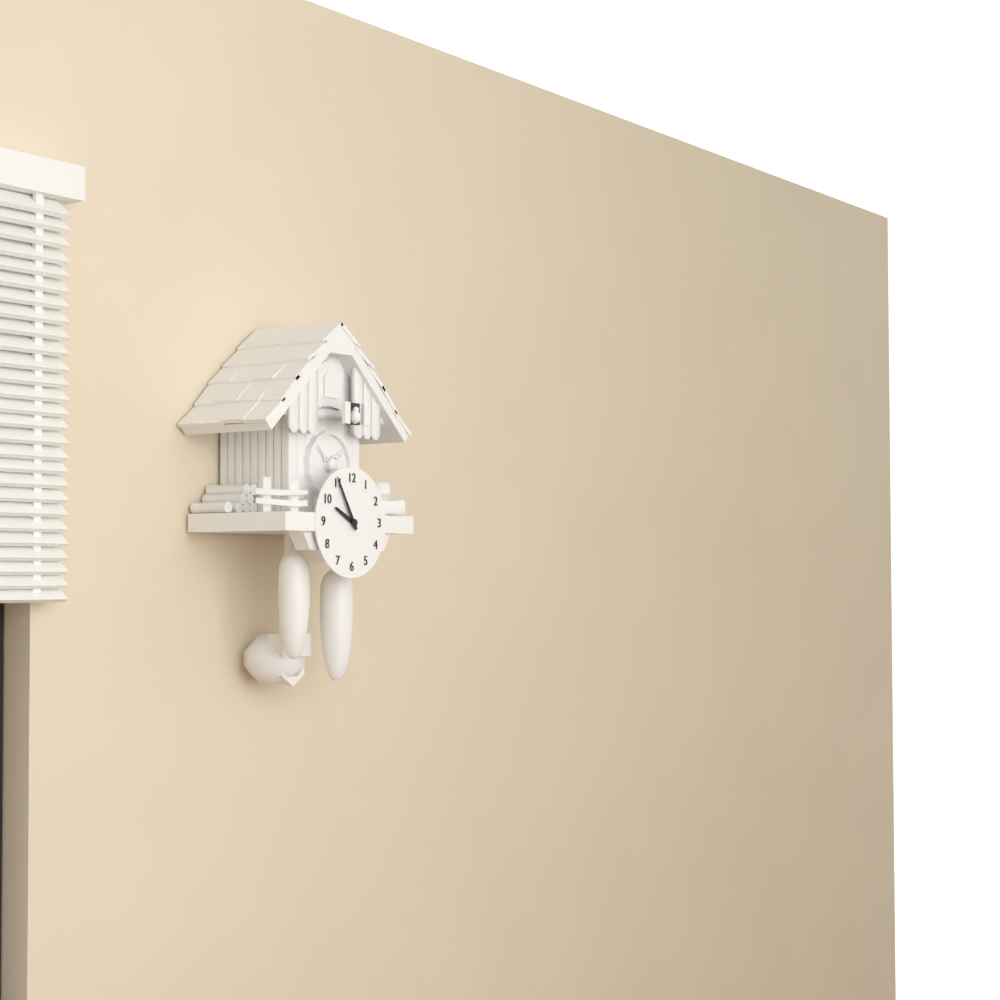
9.55
